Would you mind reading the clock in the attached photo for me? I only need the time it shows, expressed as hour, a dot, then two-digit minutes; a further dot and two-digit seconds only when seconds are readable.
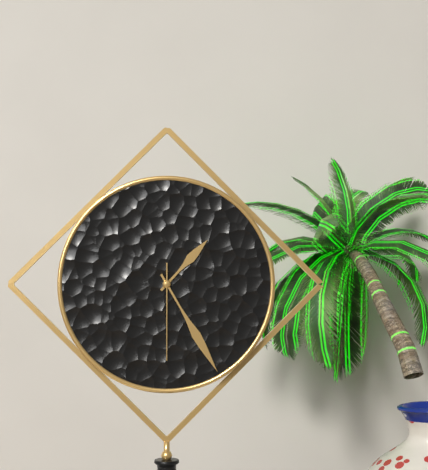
1.25.30
